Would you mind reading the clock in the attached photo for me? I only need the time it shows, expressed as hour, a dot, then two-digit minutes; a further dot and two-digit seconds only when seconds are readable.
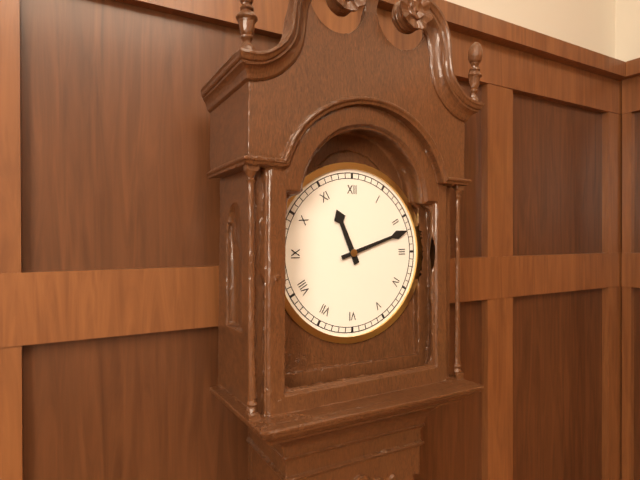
11.12
